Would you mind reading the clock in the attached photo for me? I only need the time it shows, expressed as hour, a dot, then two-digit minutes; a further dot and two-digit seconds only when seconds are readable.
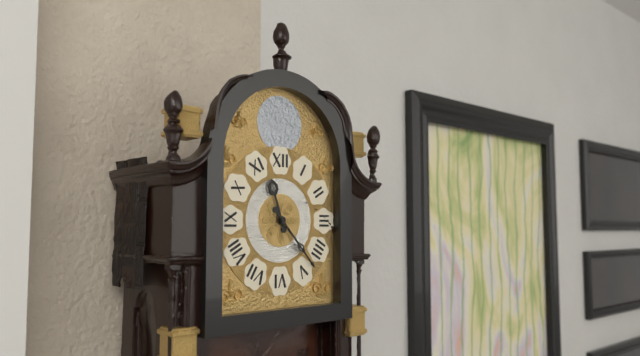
11.23
